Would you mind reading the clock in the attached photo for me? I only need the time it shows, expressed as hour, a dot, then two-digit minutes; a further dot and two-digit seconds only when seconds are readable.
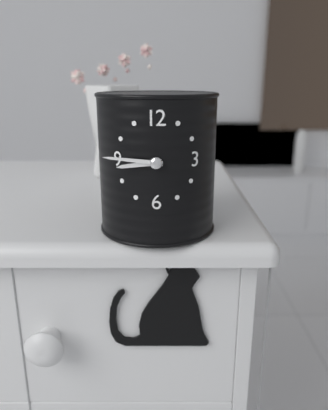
8.46
